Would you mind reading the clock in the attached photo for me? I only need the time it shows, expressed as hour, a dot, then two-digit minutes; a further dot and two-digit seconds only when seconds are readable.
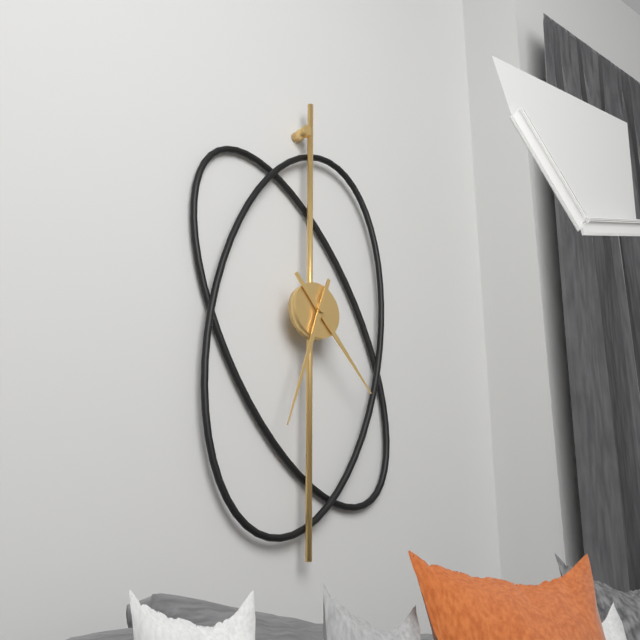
4.33
